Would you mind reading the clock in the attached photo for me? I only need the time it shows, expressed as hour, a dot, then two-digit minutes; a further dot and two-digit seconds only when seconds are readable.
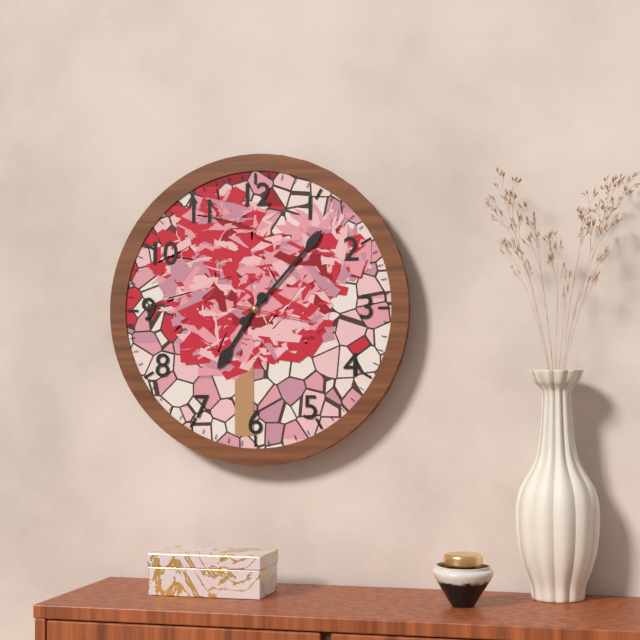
7.07.17
